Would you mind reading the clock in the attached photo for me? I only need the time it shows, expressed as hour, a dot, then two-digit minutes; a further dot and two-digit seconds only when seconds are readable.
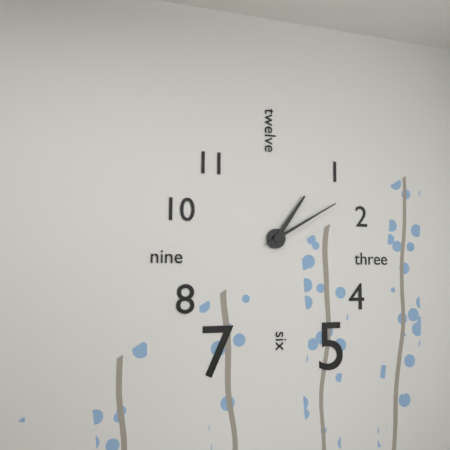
1.10
